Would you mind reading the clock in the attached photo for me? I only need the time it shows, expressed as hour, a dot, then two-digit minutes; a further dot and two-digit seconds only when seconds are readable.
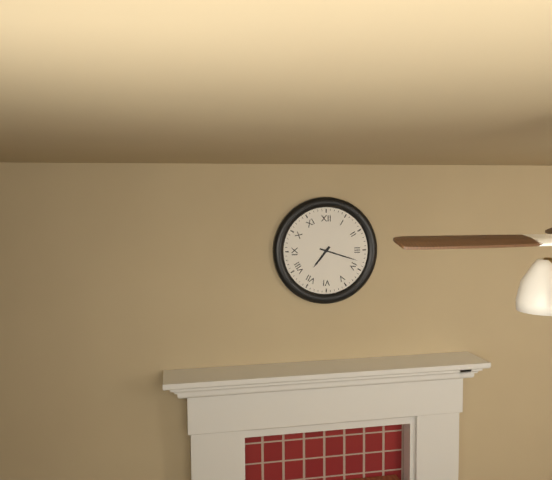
7.18
